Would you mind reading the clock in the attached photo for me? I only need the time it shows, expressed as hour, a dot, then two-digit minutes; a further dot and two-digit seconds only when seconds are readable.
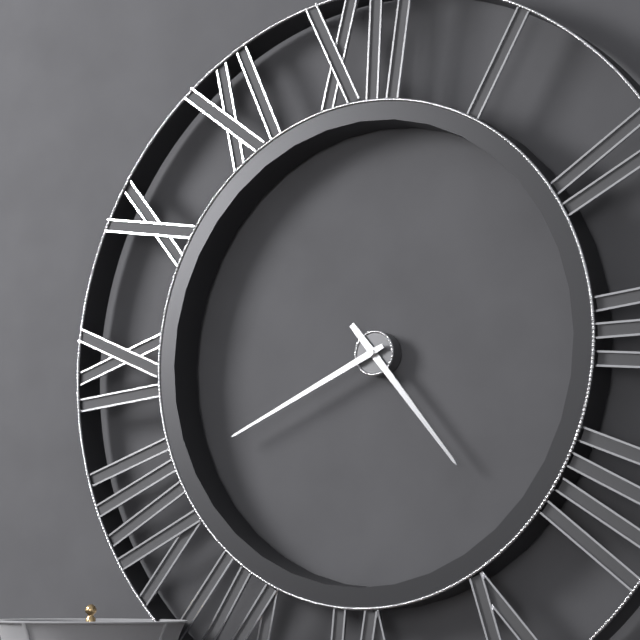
4.41
